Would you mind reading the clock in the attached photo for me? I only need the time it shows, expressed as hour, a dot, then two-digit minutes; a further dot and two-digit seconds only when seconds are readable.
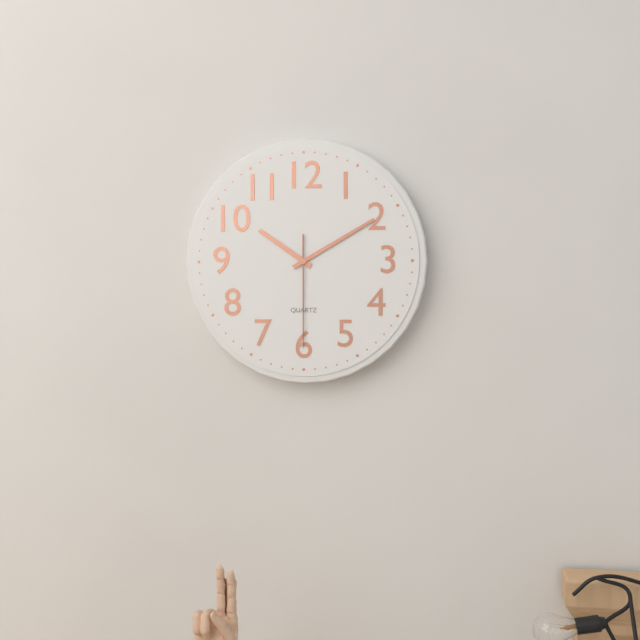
10.10.30
